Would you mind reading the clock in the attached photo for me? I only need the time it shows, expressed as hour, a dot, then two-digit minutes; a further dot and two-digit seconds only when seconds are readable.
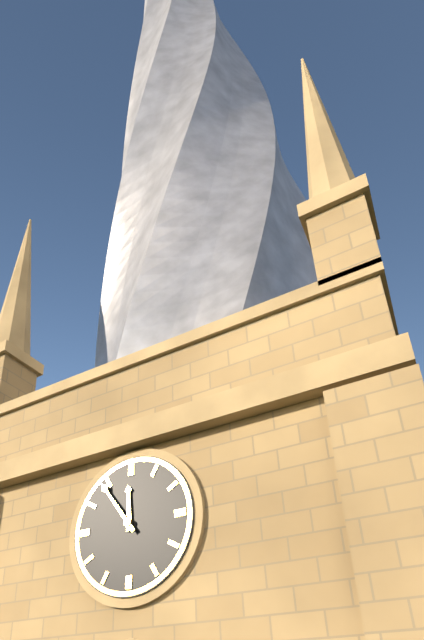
11.54
